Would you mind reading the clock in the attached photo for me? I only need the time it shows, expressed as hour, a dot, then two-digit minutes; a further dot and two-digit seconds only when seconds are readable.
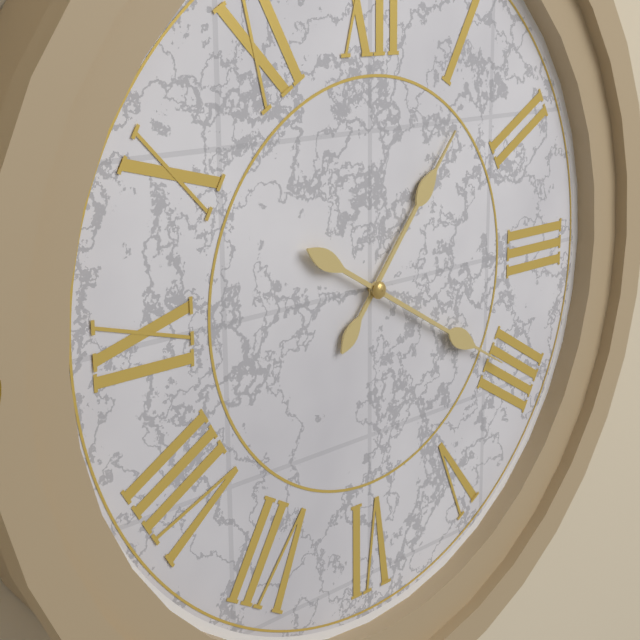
1.20
